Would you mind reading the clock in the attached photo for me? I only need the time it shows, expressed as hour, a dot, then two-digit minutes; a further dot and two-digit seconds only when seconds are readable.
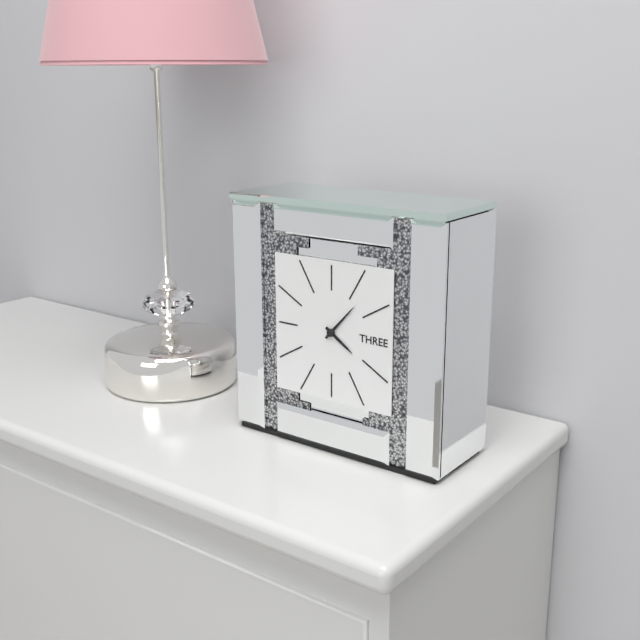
4.07
